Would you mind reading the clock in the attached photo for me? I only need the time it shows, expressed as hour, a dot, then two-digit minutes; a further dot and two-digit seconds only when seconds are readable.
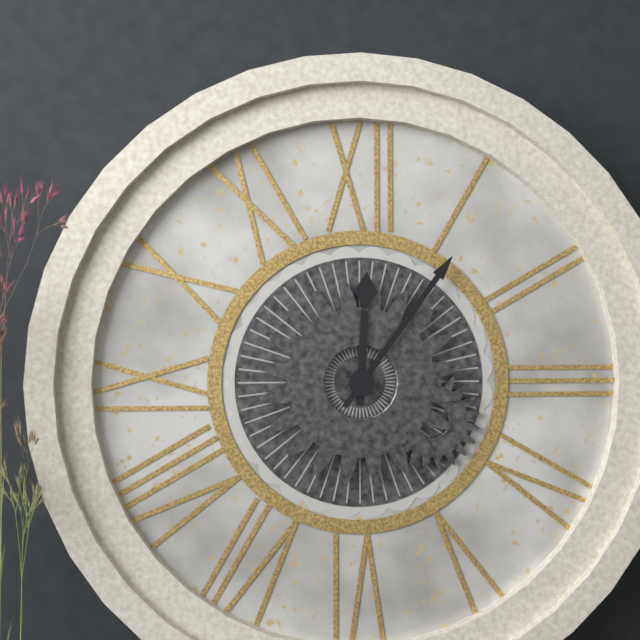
12.06
